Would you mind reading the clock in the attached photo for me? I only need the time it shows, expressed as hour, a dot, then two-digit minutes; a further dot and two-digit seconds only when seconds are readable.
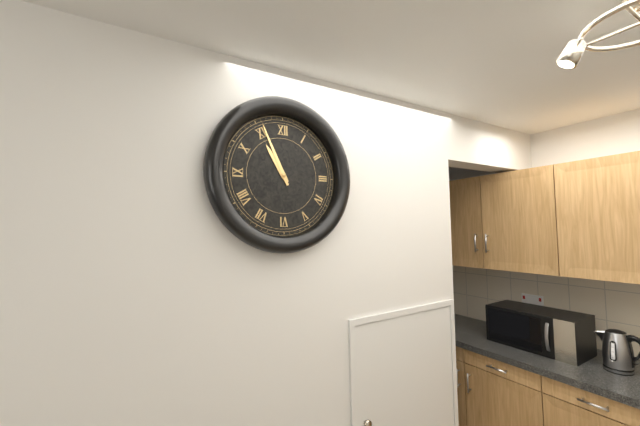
10.56
